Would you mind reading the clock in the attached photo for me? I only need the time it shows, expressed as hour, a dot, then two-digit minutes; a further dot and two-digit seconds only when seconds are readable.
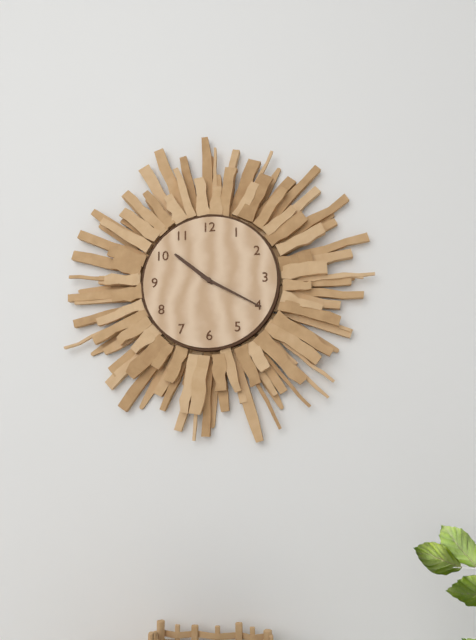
10.20
